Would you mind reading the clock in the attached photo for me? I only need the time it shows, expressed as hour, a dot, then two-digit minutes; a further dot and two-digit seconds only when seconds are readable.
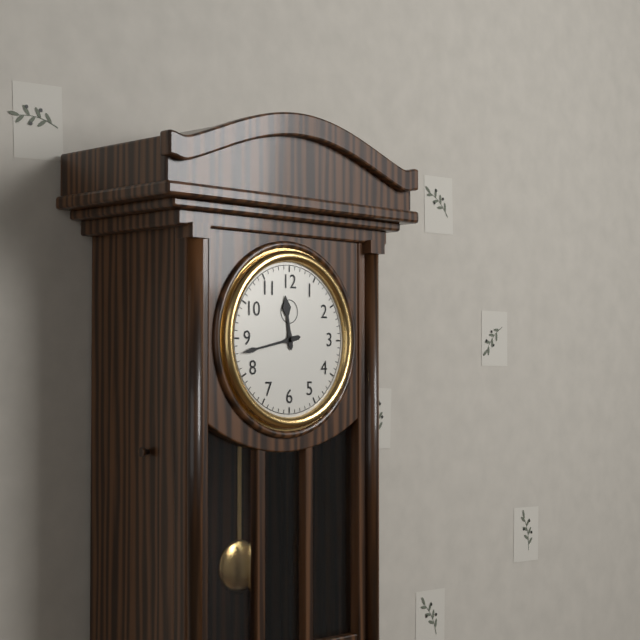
11.43
